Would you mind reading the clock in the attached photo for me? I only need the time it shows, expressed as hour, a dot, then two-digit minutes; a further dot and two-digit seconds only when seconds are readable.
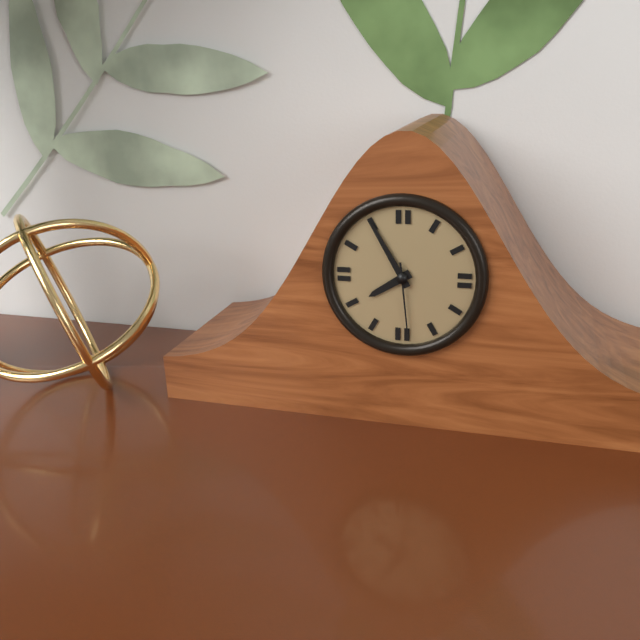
7.55.29
